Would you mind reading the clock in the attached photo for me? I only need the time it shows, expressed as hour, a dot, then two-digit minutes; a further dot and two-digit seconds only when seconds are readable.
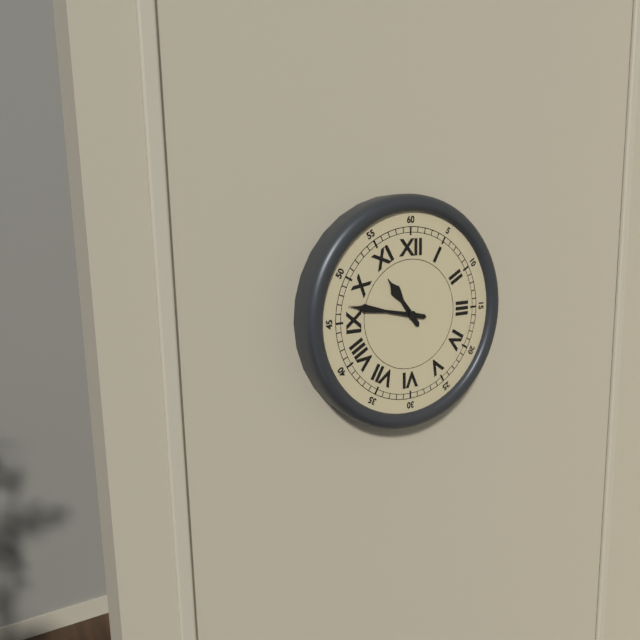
10.47
